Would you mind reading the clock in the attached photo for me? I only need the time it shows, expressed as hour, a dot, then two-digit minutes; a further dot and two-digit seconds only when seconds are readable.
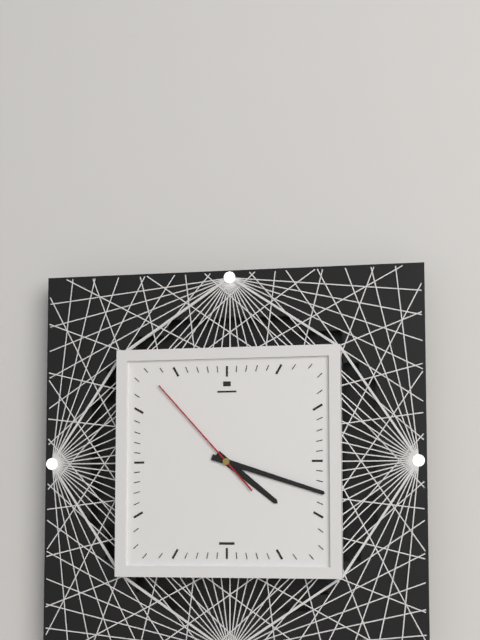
4.18.53
